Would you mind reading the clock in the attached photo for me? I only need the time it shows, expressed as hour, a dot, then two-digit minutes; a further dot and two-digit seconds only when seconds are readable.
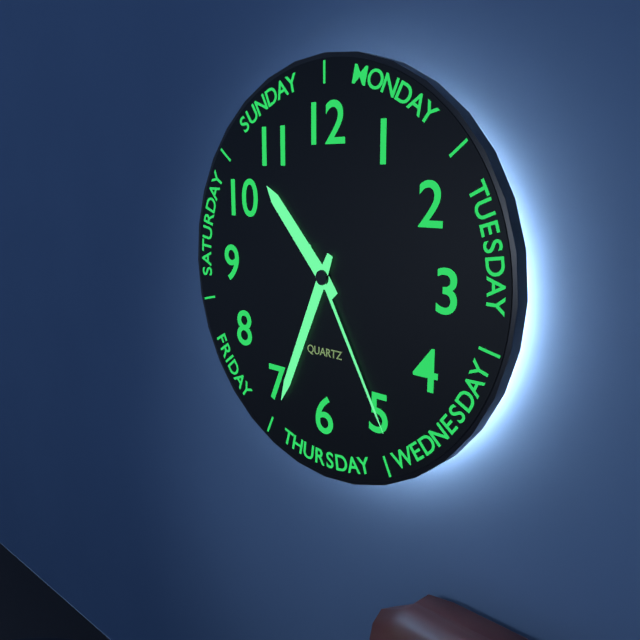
10.34.25
